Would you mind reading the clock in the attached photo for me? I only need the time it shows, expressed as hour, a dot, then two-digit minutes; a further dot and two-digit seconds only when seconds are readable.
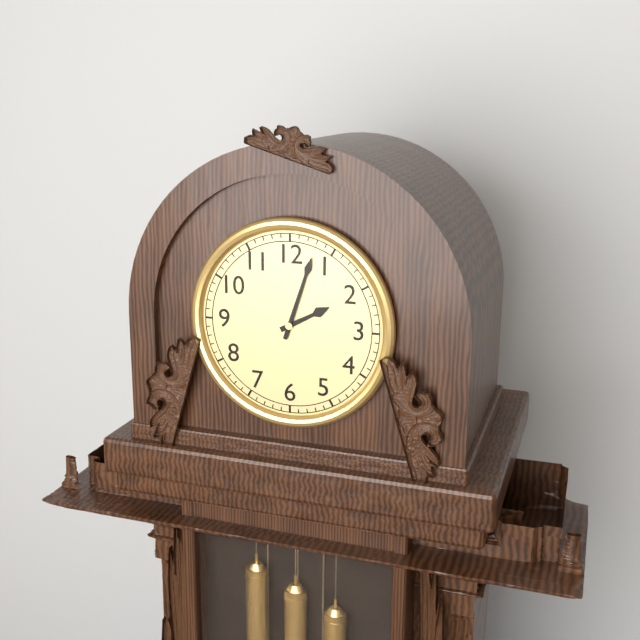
2.03
